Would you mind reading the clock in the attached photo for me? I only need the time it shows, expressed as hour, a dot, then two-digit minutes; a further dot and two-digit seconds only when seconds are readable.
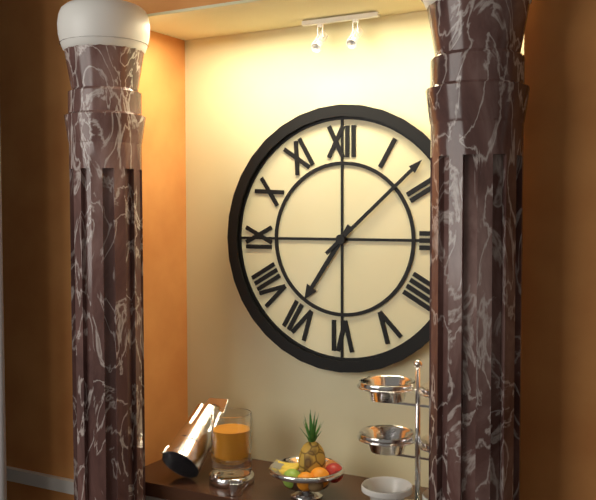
7.08
